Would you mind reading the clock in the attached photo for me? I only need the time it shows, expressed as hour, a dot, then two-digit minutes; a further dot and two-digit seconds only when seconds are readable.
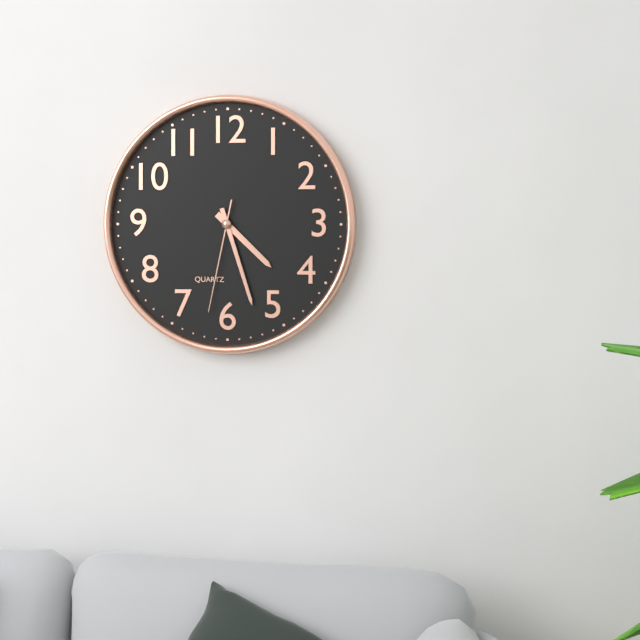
4.27.32
